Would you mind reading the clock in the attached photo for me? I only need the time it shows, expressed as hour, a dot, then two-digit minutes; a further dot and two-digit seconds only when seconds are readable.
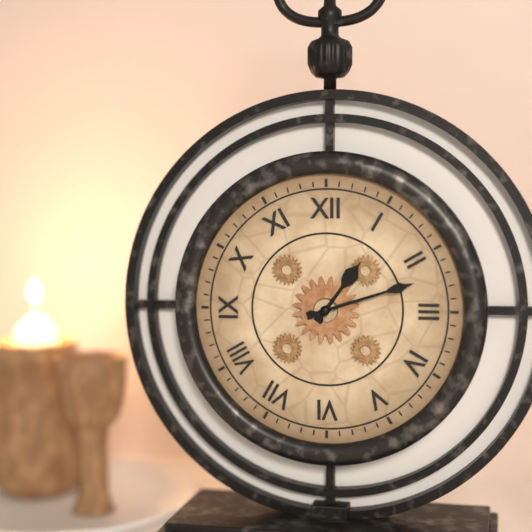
1.12
